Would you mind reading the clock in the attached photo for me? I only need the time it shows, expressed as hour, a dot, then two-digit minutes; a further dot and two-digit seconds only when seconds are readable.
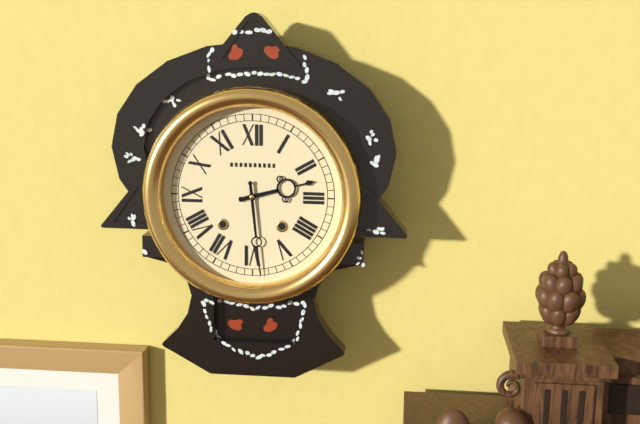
2.29
